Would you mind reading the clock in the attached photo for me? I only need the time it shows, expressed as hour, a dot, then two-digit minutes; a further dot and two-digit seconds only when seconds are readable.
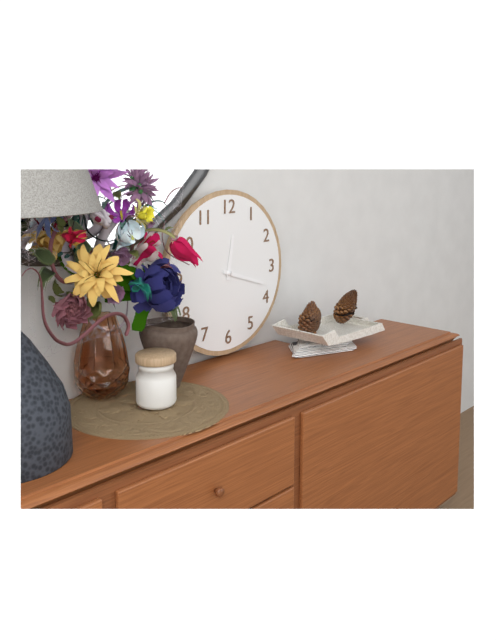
12.18
